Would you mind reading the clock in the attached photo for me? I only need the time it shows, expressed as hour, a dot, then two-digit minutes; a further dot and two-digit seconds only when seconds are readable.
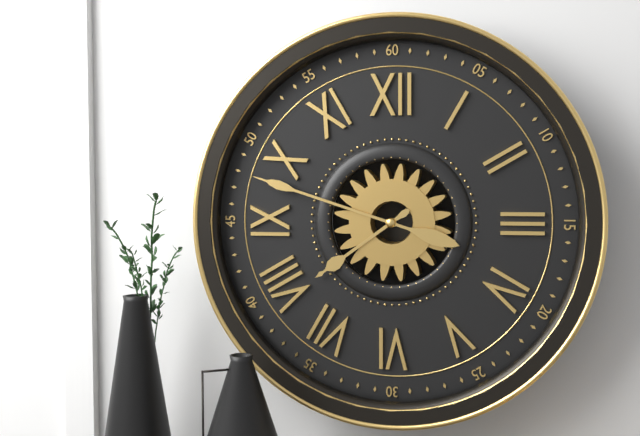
7.48
